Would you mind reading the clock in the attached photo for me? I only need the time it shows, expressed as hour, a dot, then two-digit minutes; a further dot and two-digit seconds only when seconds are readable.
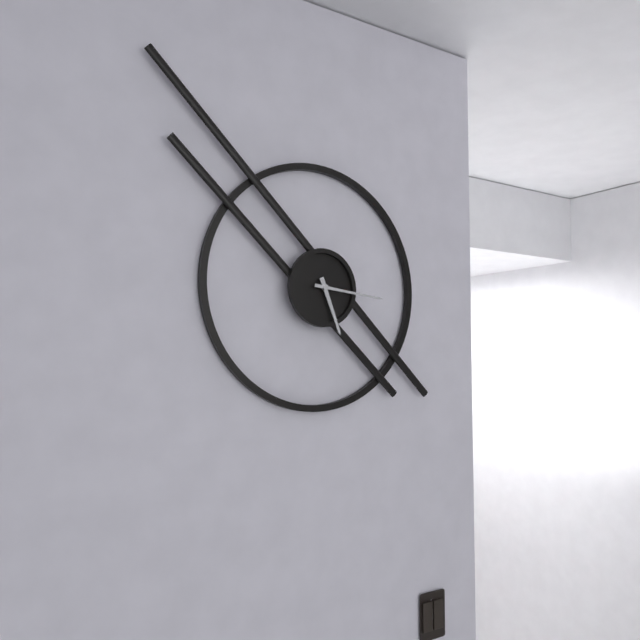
5.16
